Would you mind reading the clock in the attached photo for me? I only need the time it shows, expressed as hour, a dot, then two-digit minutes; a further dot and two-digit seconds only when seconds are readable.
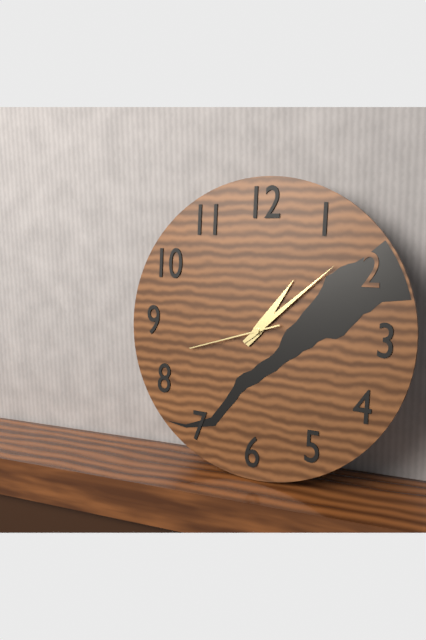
1.08.42
